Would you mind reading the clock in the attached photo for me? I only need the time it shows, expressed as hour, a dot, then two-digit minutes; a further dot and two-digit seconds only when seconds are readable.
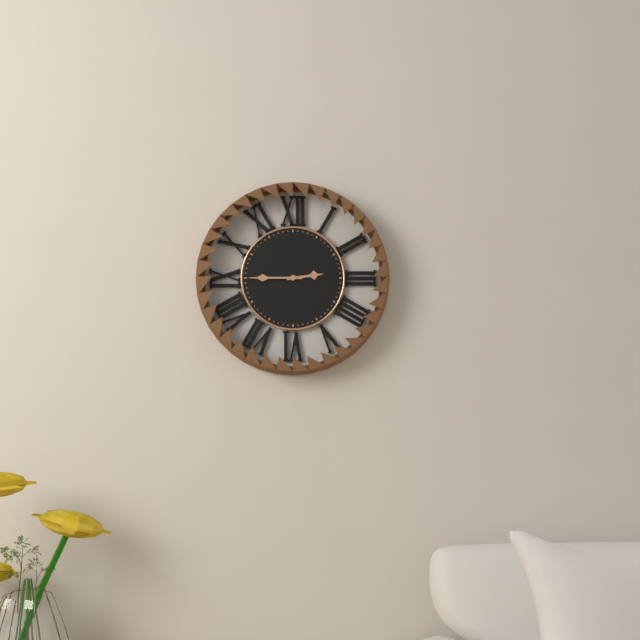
2.45
